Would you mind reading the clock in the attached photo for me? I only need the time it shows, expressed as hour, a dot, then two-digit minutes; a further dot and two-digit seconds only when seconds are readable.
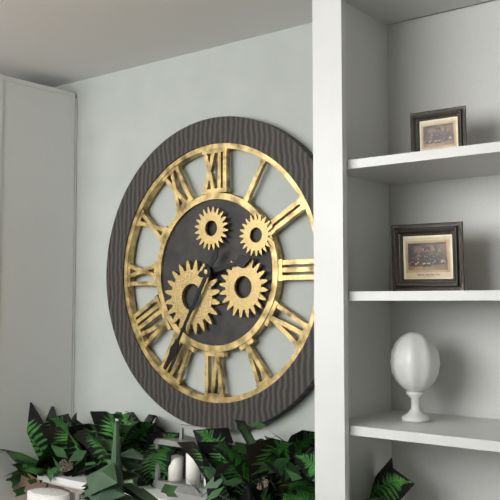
2.35
